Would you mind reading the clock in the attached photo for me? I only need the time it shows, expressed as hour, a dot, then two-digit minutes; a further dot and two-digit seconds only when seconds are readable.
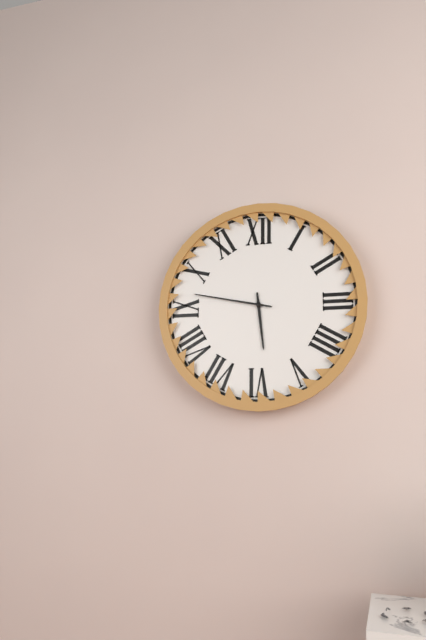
5.47
